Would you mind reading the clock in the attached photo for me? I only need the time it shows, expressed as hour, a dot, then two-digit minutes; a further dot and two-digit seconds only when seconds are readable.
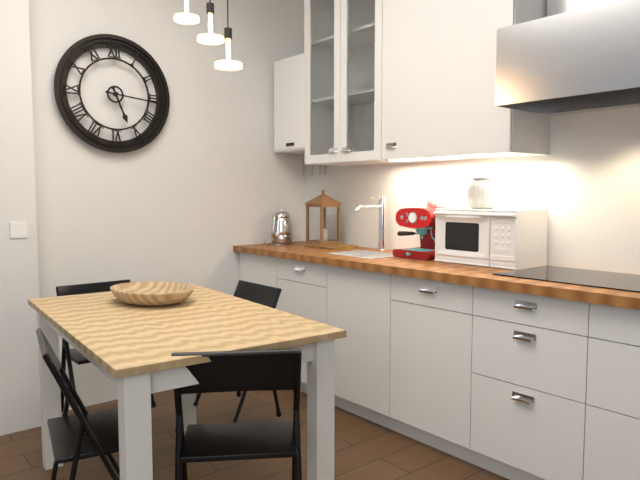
5.16
